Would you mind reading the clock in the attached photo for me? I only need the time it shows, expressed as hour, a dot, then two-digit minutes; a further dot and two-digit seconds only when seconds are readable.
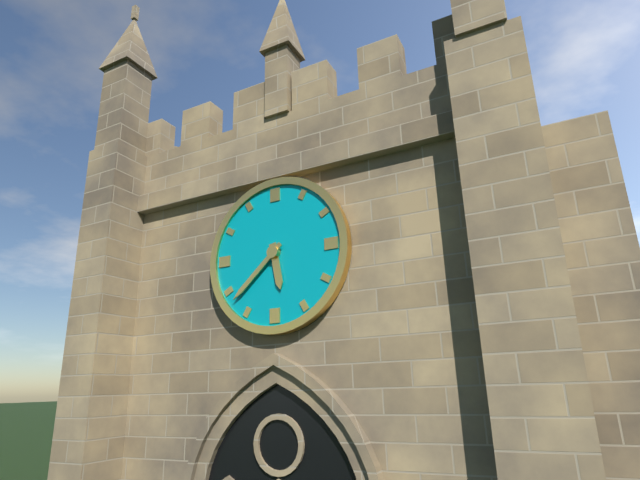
5.38
